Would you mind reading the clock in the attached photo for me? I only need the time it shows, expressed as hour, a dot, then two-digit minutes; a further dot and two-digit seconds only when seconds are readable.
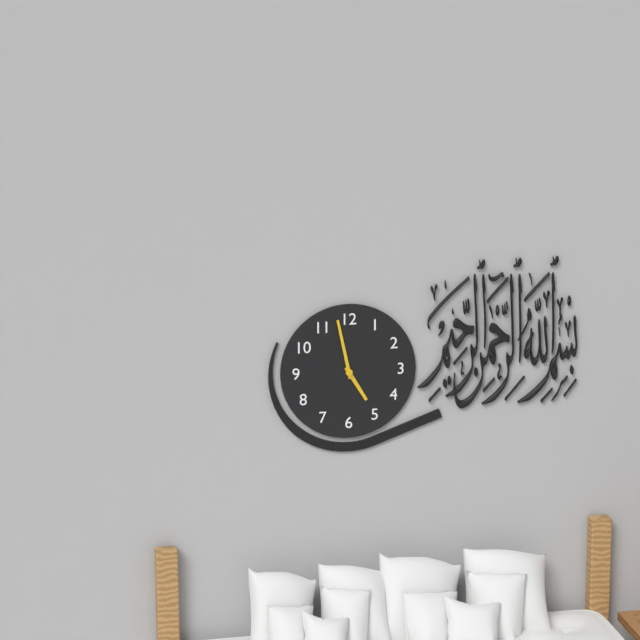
4.58
